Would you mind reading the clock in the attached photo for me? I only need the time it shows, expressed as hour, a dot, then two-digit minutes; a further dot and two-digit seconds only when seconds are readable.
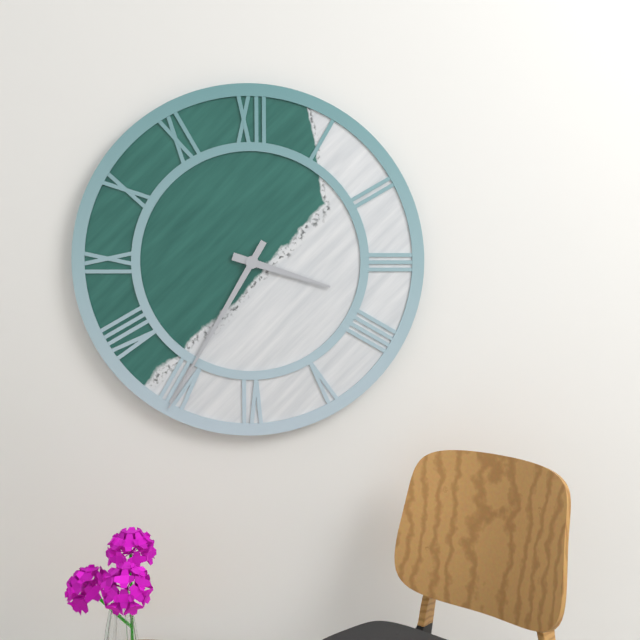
3.35
